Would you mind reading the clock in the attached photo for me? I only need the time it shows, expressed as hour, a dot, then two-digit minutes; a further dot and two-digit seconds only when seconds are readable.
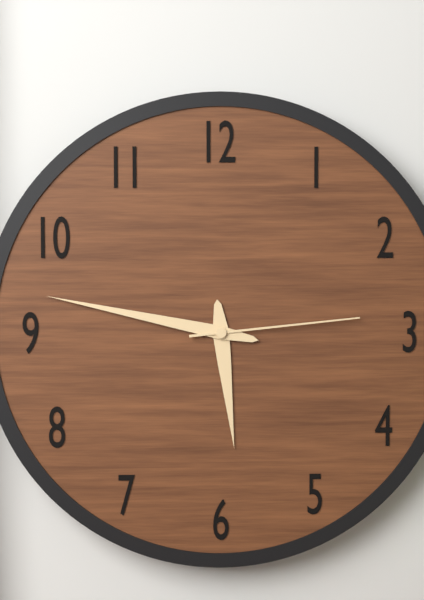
5.47.14
